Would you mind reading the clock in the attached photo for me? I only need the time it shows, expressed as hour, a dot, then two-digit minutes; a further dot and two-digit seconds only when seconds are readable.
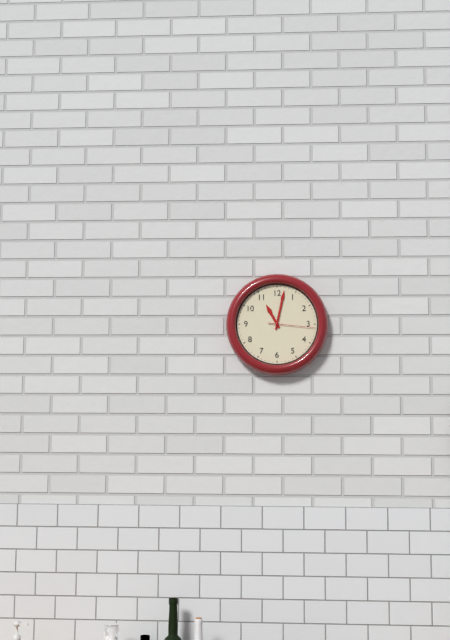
11.02
